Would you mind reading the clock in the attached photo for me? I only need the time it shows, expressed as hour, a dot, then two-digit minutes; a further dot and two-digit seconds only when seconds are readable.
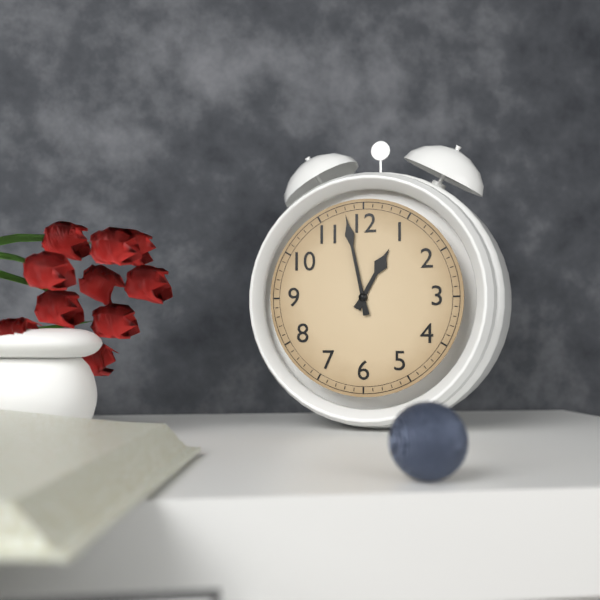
12.58
